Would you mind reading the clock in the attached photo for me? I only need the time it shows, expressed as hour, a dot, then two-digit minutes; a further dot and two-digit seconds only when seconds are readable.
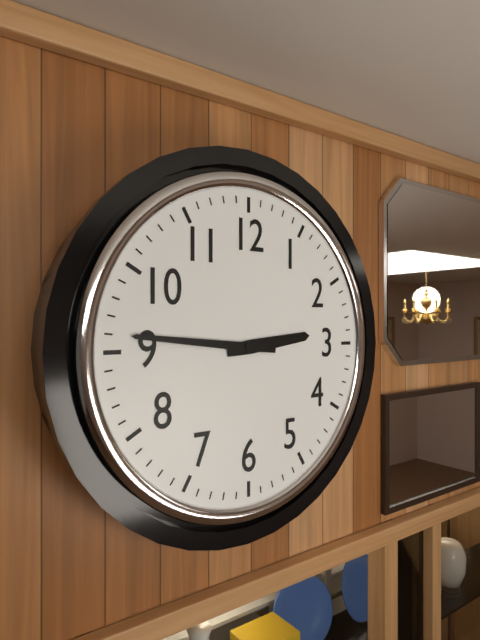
2.46
